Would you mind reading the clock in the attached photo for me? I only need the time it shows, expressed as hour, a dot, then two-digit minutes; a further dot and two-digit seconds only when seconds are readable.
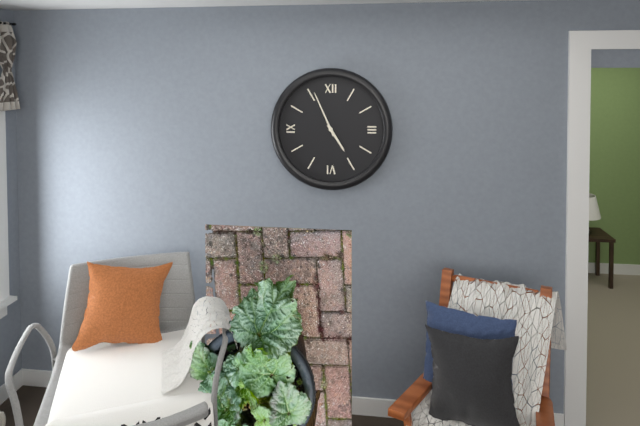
4.56
